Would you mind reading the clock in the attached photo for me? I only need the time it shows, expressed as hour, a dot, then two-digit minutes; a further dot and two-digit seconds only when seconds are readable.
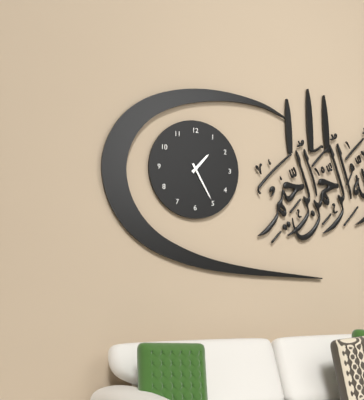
1.25
